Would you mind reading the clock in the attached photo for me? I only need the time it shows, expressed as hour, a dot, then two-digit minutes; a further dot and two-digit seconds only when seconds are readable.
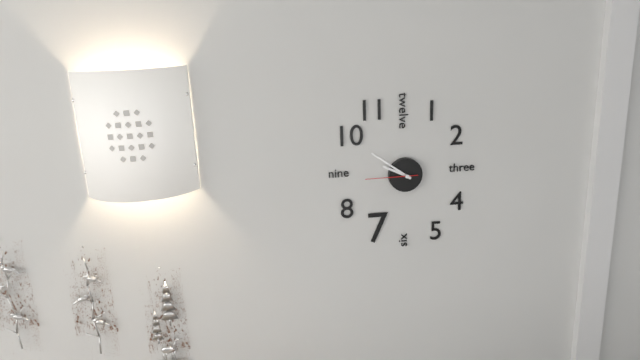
9.51.45
